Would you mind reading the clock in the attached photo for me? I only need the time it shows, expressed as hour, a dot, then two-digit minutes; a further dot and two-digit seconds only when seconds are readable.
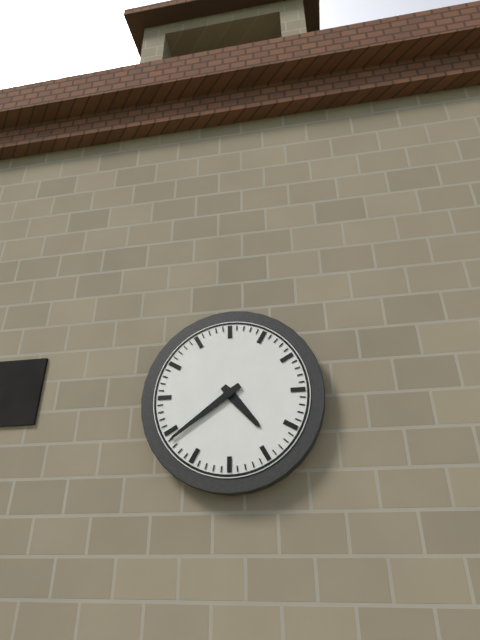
4.39
